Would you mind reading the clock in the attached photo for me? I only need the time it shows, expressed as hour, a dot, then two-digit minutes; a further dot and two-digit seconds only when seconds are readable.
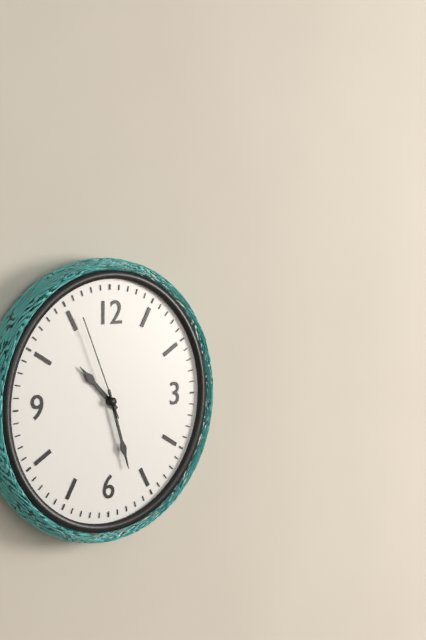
10.27.56
